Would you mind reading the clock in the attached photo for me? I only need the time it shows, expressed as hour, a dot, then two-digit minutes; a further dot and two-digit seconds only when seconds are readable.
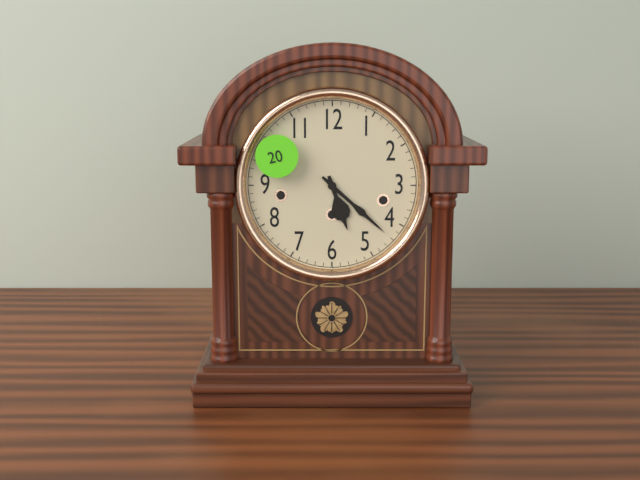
5.22
